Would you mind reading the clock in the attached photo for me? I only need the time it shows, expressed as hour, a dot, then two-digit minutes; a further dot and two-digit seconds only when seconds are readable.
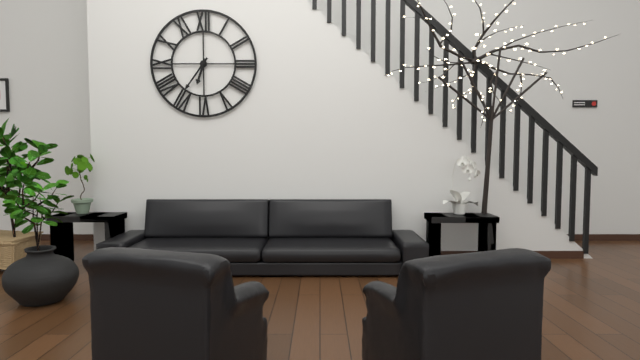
6.36
